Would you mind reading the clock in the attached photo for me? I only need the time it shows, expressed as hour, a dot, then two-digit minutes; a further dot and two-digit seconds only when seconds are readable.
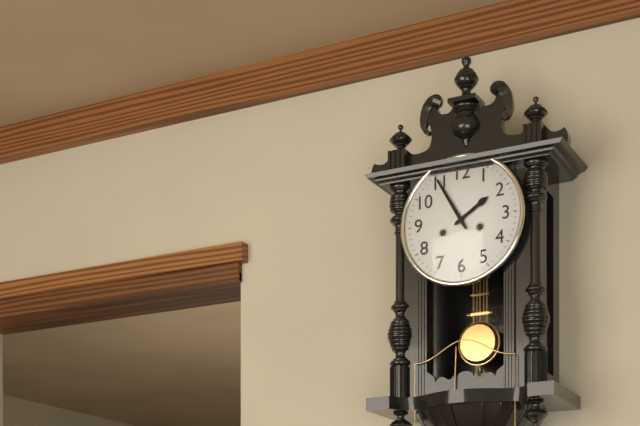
1.55
